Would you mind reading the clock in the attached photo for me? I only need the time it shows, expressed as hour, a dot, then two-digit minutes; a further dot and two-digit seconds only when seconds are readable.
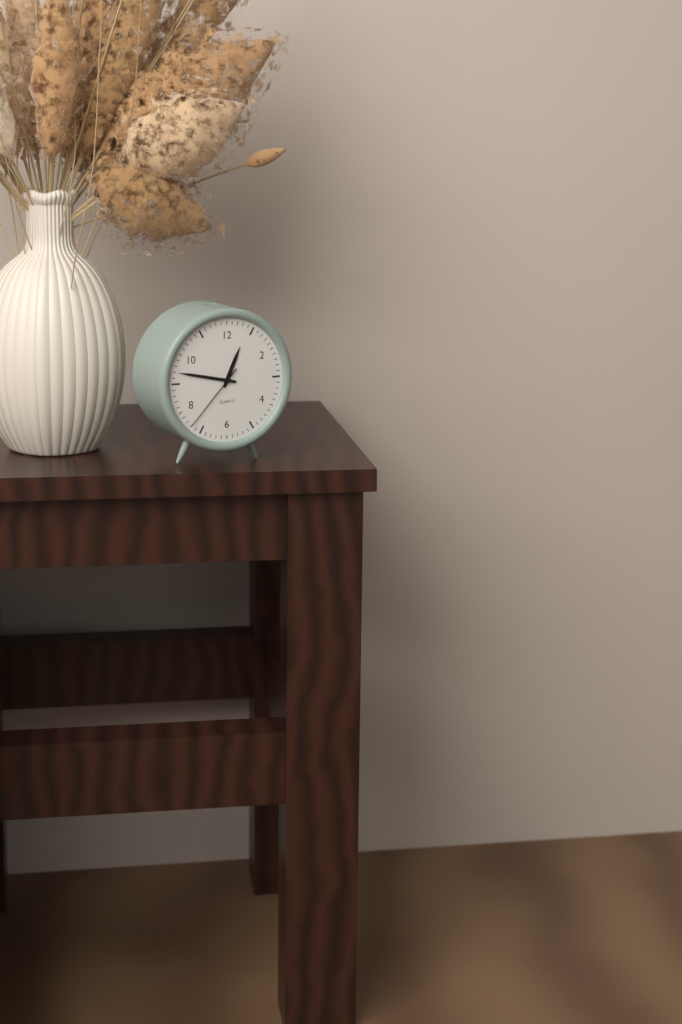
12.47.37
